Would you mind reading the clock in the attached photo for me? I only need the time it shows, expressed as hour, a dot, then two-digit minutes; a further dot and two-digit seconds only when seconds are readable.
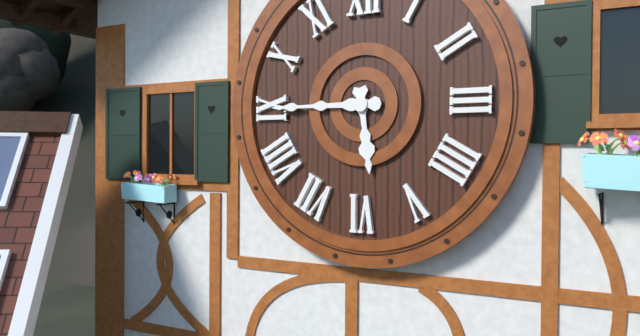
5.45
